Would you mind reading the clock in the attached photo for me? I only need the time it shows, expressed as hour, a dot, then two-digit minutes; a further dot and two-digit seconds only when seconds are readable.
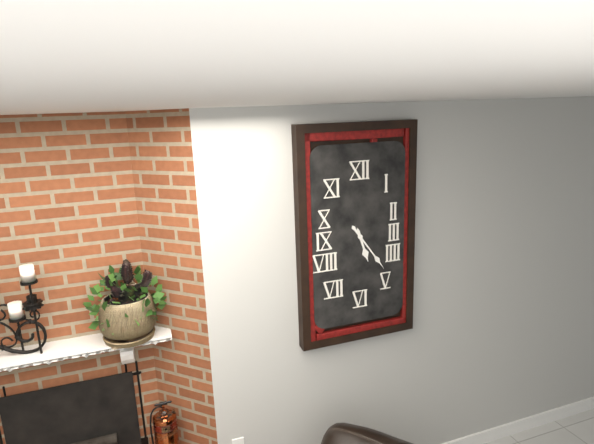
5.24
